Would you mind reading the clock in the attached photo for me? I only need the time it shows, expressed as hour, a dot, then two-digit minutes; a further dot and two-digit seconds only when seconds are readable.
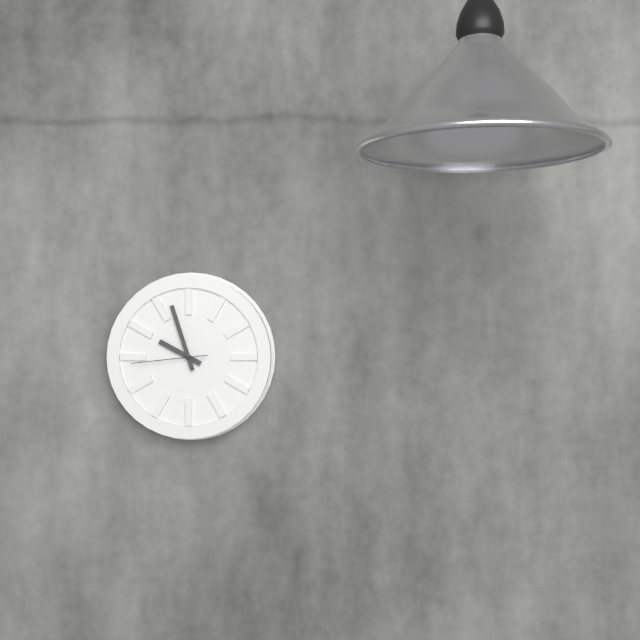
9.57.44
